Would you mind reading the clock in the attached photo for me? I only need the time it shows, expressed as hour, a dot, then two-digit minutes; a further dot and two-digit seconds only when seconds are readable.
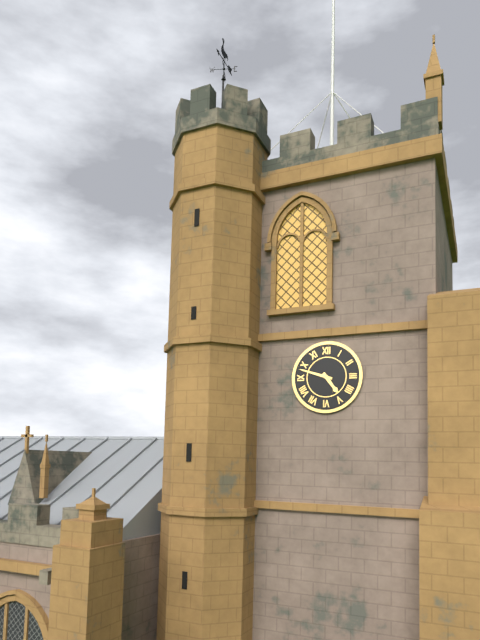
4.48
